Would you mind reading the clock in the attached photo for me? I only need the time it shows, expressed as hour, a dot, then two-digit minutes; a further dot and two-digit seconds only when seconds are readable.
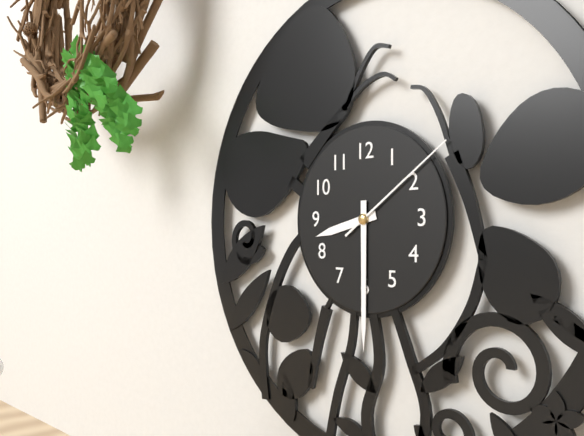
8.30.09
